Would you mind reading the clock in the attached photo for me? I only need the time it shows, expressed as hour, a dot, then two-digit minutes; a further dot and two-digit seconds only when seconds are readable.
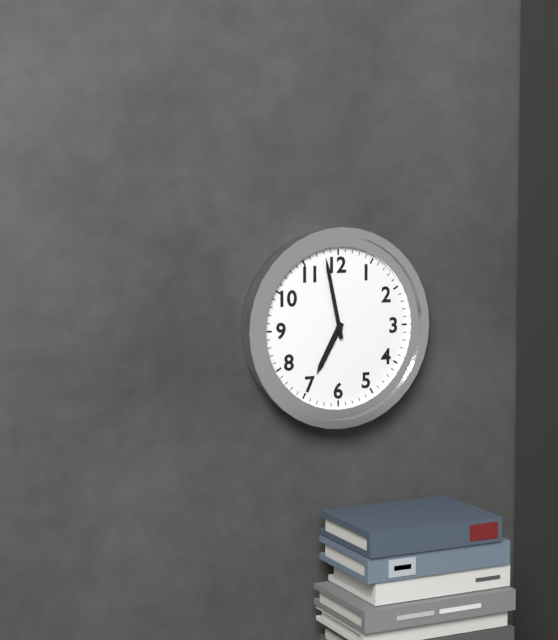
6.58
